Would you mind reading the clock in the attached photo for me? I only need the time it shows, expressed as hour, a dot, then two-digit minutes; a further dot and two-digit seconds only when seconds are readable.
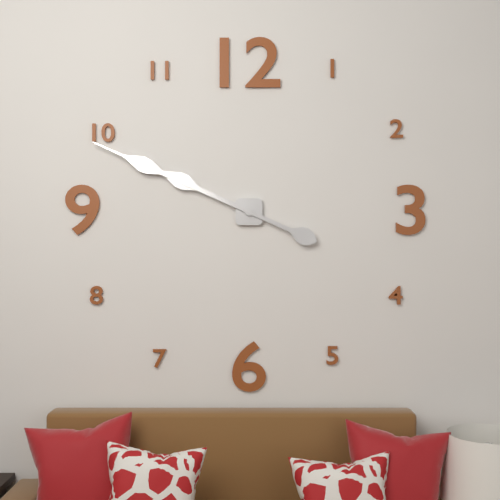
9.49
